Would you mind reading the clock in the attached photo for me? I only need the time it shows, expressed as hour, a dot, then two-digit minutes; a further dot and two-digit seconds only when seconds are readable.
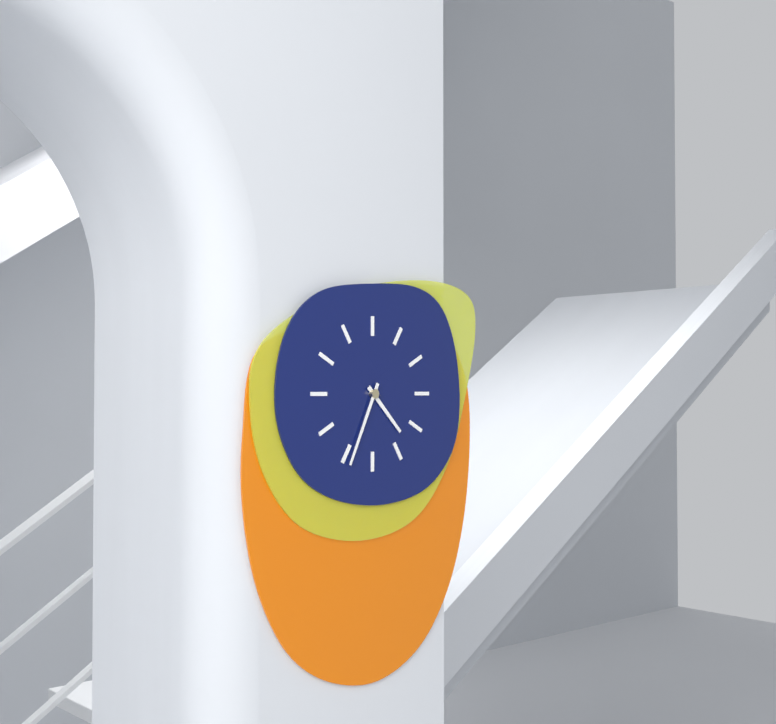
4.34
